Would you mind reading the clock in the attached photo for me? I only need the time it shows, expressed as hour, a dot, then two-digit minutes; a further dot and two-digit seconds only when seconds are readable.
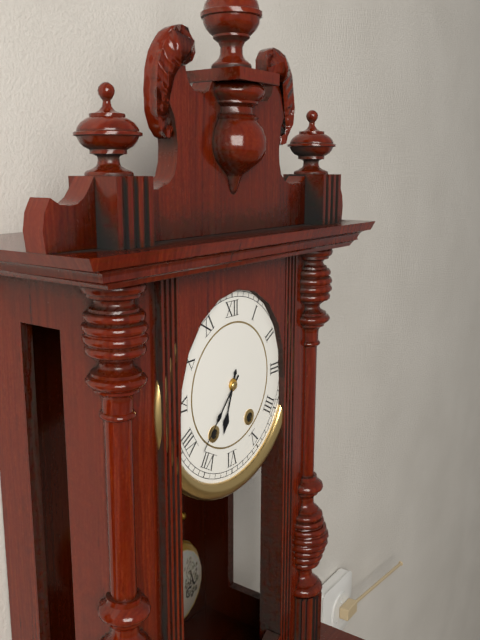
6.37
